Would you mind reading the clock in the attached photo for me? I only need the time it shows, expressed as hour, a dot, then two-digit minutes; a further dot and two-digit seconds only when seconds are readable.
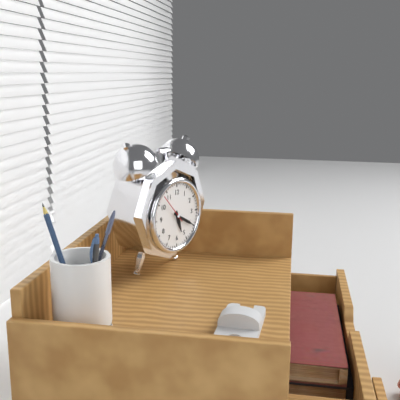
5.20
